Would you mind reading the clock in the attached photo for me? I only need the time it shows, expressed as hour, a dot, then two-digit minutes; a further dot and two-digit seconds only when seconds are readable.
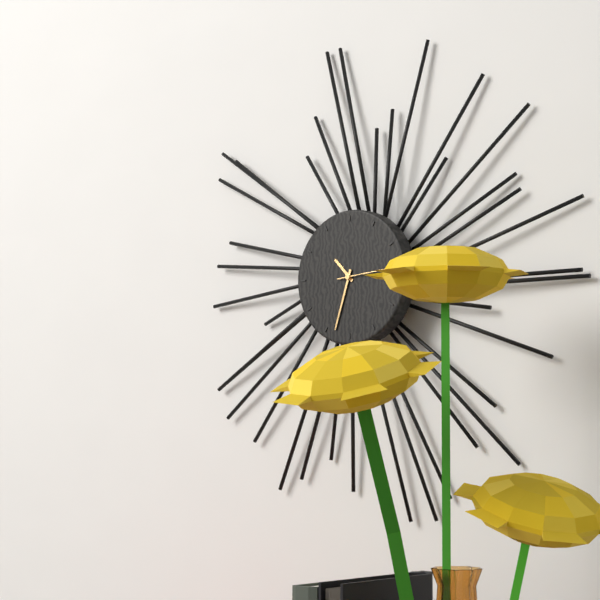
10.33
